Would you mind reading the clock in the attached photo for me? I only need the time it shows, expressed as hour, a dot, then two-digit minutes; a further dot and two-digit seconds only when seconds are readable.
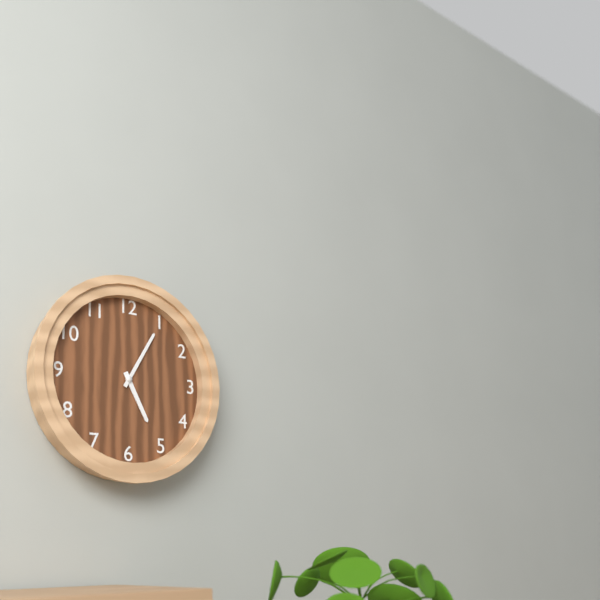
5.05
